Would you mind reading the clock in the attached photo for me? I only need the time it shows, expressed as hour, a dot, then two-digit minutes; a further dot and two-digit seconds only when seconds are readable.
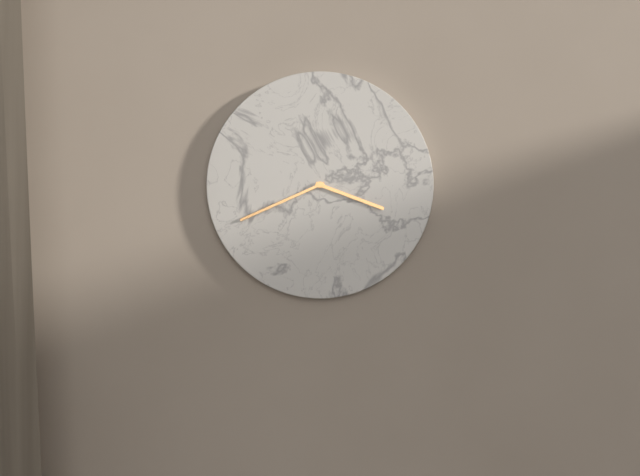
3.41
